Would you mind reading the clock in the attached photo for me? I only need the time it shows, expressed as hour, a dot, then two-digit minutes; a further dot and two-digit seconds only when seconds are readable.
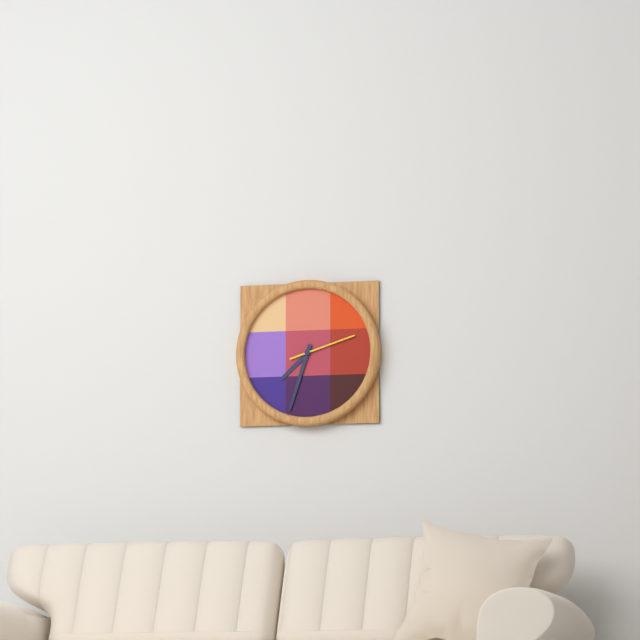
7.33.12
